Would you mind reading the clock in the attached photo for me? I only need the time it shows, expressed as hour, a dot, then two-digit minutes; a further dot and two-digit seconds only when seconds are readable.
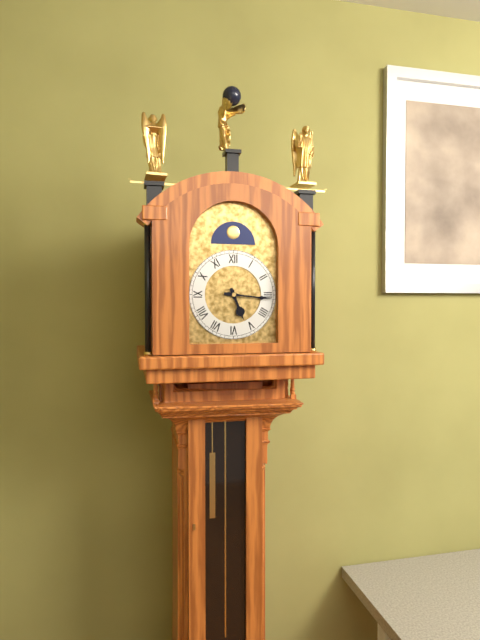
5.16
